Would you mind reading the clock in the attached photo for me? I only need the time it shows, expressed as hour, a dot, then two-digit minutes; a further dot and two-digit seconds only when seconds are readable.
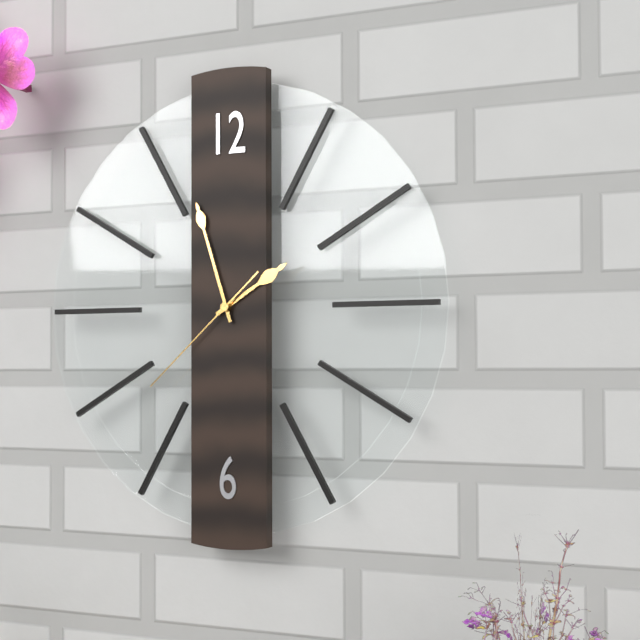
1.57.38
